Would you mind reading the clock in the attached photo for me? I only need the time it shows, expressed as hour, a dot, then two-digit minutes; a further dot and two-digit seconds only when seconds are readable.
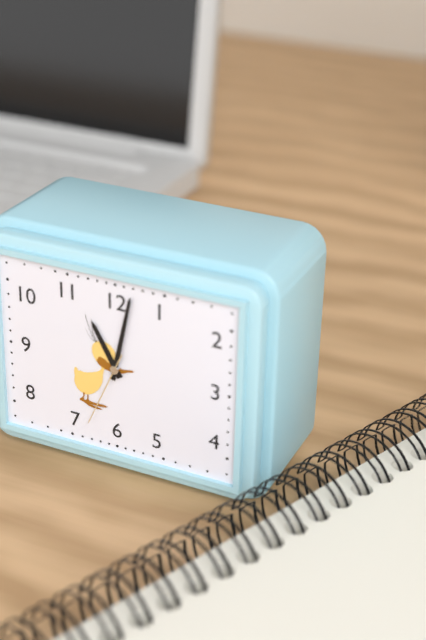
11.02.34
